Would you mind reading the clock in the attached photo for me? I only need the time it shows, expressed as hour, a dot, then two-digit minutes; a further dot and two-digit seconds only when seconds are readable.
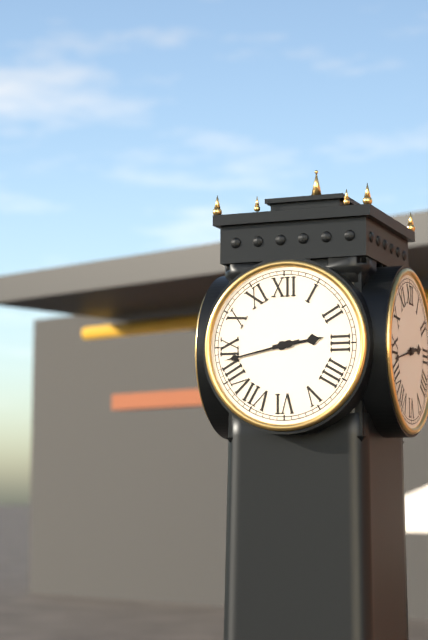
2.43
